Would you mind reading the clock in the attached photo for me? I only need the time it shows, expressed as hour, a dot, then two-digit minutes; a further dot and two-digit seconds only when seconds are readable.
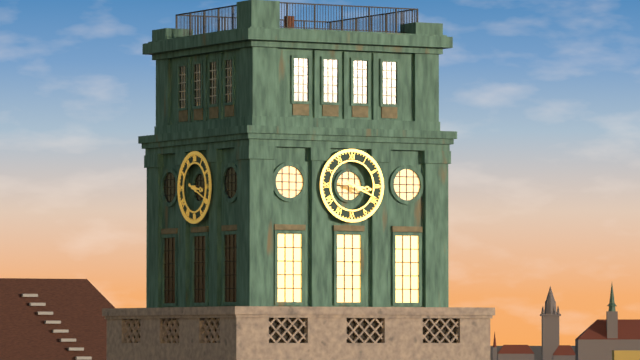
3.19
